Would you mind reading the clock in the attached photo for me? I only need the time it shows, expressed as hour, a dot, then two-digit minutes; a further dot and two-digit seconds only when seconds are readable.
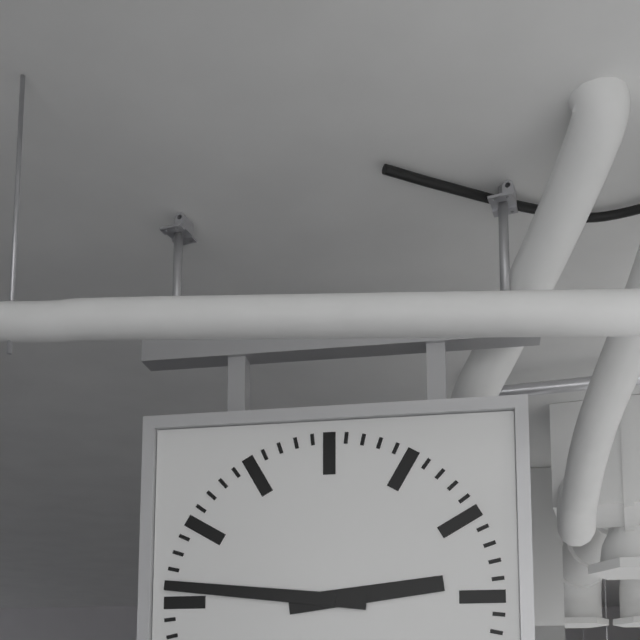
2.46
